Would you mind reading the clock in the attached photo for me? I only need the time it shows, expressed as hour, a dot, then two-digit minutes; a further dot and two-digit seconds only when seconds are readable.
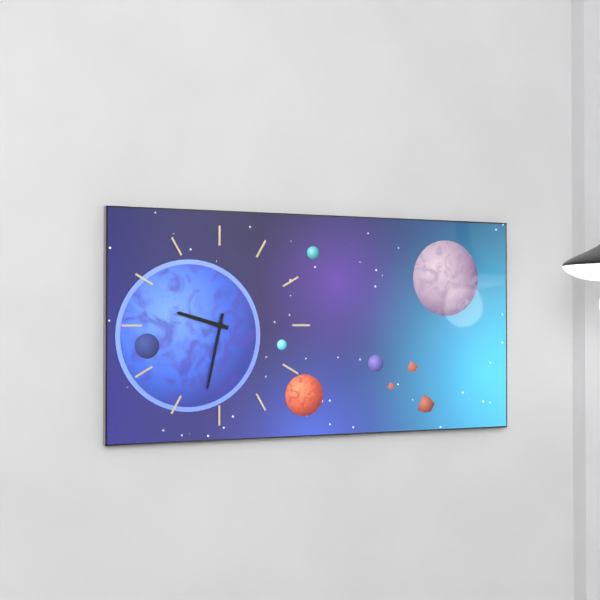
9.32
